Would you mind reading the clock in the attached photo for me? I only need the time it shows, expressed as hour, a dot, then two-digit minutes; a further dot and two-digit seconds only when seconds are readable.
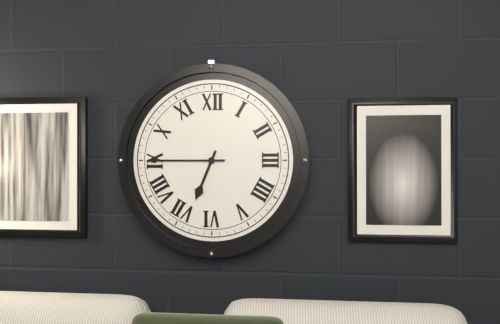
6.45
